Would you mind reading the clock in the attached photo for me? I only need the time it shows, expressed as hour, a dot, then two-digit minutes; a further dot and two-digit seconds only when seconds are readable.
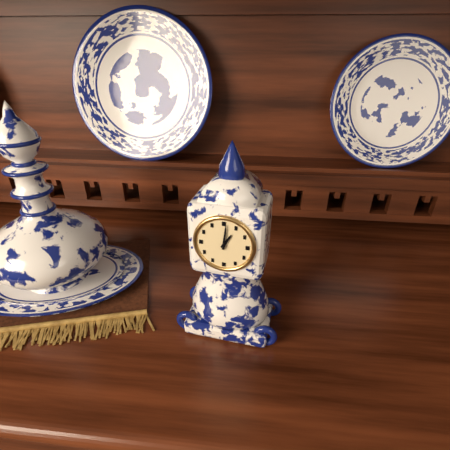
1.01
